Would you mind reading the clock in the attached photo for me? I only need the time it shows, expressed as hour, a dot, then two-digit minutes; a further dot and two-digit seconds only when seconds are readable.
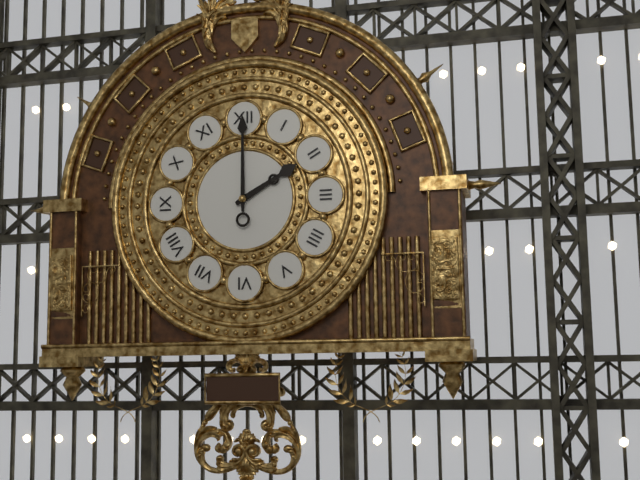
2.00
